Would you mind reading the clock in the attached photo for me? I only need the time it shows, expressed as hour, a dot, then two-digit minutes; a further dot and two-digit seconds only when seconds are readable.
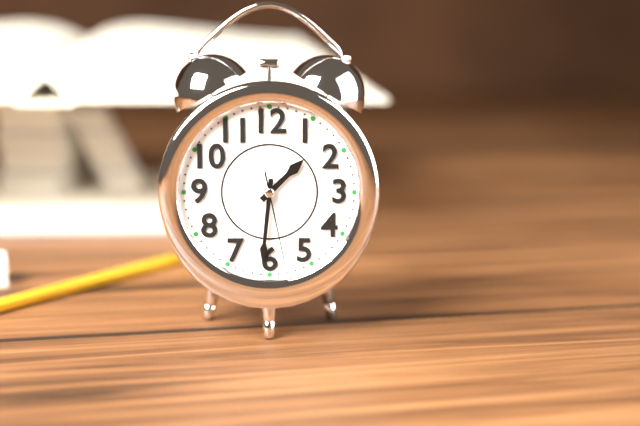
1.31.28
